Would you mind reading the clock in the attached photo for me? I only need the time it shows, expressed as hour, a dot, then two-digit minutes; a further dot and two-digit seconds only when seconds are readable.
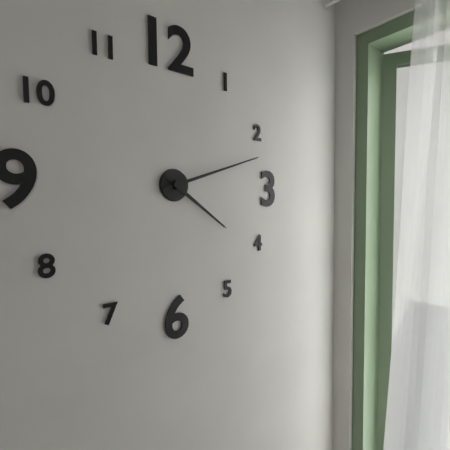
4.12
